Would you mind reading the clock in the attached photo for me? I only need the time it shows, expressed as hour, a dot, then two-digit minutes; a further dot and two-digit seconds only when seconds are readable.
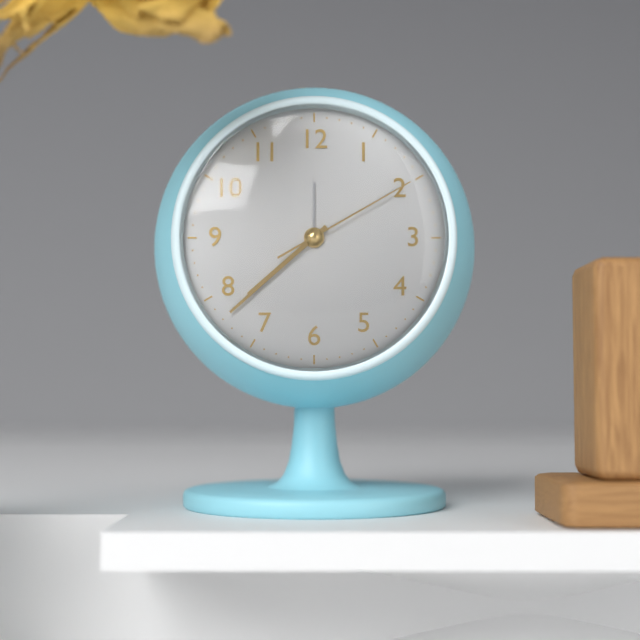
7.38.10
